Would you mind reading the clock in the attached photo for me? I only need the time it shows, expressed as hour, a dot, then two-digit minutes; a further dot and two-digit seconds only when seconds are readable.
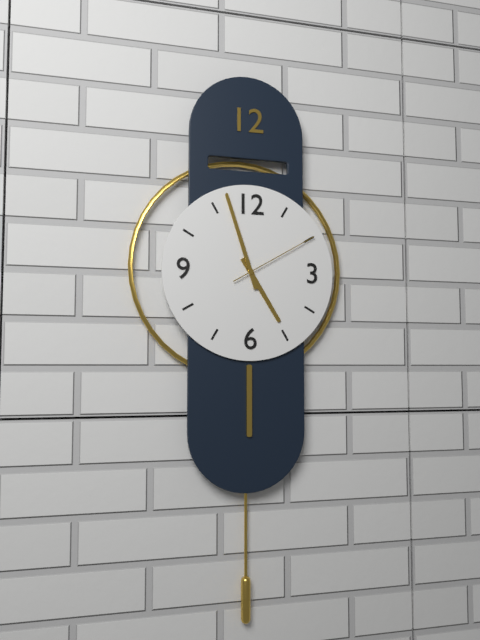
4.57.10
